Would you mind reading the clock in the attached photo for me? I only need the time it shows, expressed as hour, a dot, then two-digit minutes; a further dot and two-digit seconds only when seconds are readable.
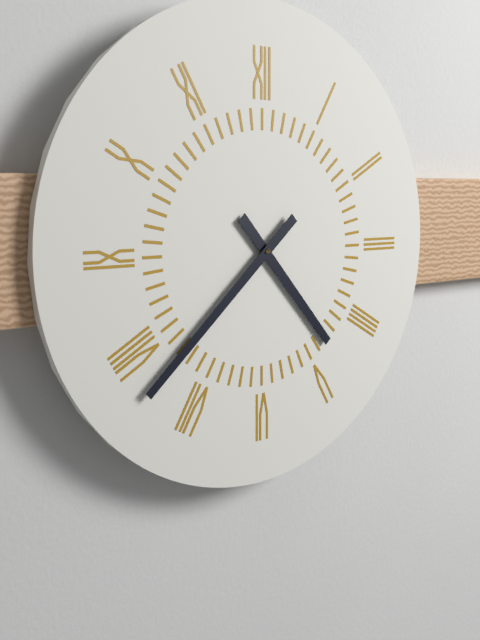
4.38
